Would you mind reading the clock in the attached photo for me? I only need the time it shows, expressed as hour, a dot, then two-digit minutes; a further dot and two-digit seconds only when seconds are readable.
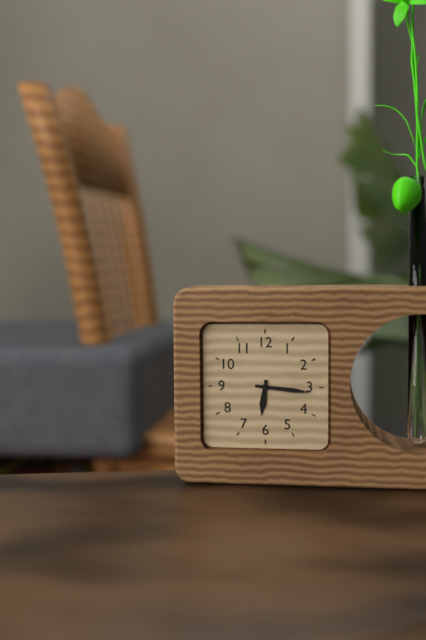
6.16
